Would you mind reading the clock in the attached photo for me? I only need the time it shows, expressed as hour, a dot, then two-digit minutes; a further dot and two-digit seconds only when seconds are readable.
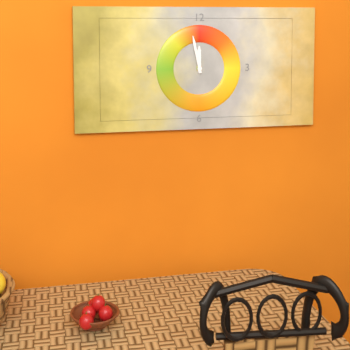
11.58
